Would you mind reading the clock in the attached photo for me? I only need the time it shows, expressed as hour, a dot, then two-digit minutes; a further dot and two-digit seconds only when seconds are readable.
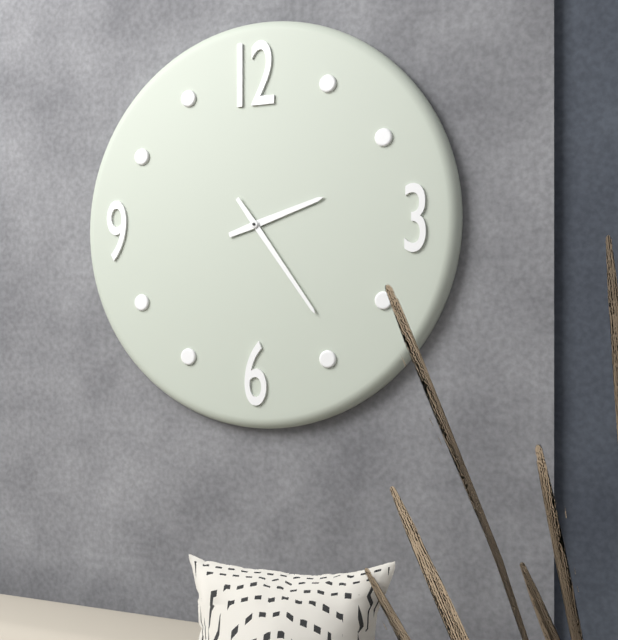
2.24
